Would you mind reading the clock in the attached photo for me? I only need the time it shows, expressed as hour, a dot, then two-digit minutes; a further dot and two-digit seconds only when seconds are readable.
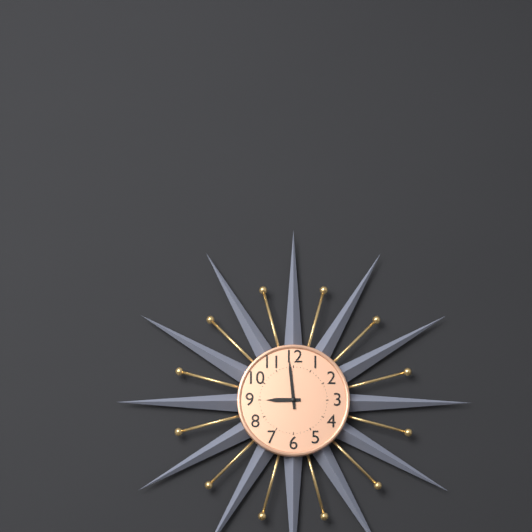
8.59
